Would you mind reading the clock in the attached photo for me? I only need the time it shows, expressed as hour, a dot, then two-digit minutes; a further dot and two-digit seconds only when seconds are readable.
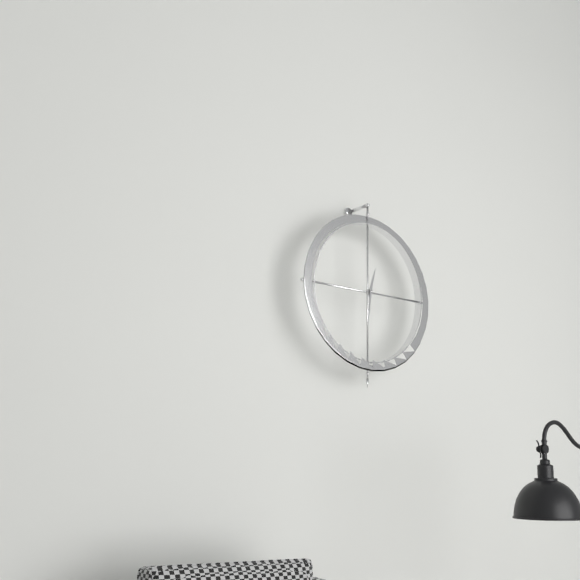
12.31
